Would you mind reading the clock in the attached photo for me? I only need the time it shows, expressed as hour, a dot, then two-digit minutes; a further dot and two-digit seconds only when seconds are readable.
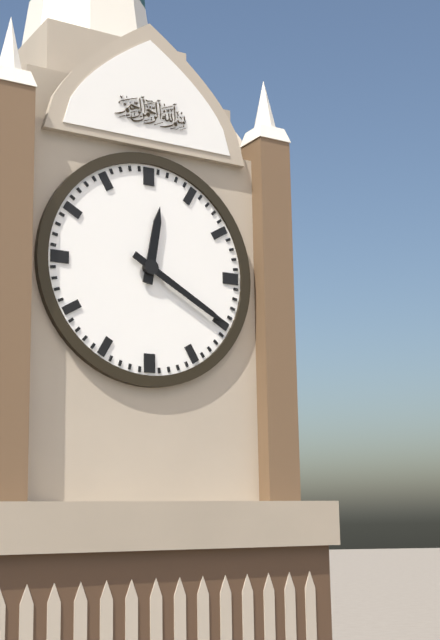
12.20
